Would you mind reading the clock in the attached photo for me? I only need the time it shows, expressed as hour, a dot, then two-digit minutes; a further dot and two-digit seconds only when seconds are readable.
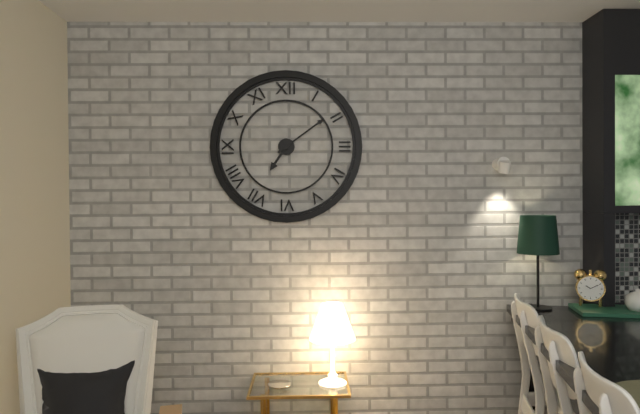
7.09
